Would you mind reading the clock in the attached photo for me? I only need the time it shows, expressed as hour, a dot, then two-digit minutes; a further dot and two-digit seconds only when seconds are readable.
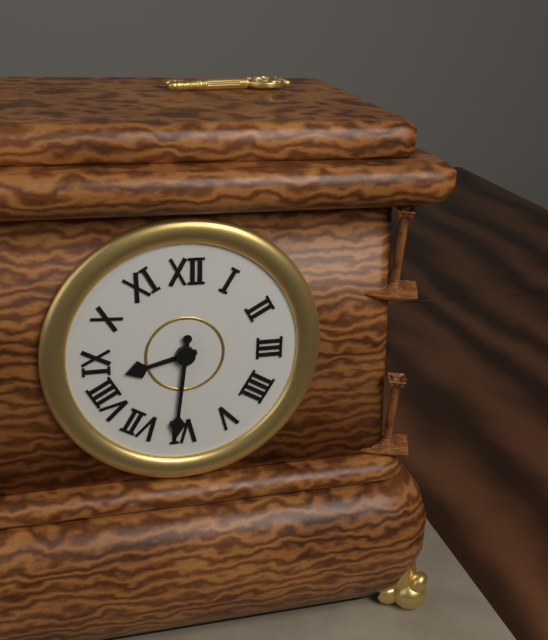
8.31
